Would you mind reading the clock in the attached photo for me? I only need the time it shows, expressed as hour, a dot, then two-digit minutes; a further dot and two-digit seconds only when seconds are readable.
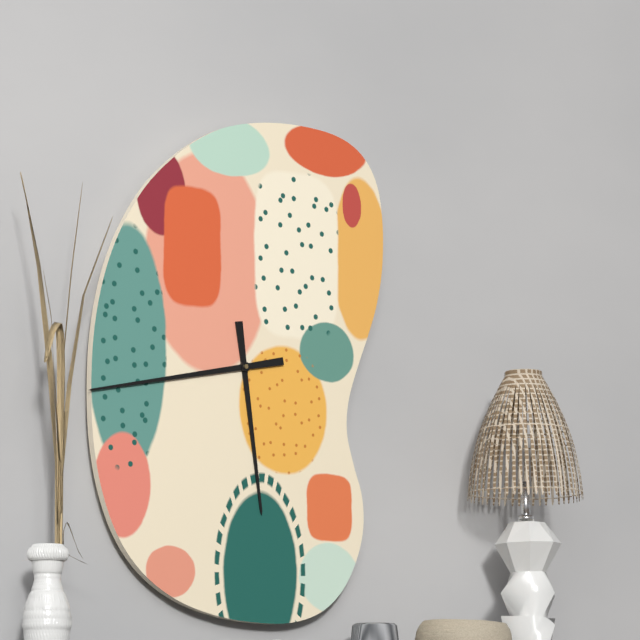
5.43
